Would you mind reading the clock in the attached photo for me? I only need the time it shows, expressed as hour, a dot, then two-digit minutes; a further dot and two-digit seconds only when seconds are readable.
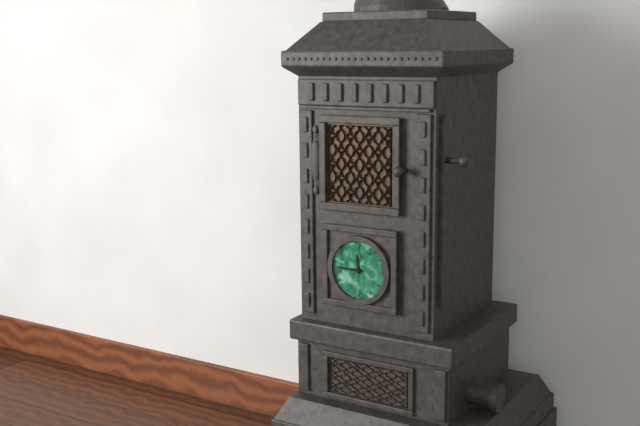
11.45
